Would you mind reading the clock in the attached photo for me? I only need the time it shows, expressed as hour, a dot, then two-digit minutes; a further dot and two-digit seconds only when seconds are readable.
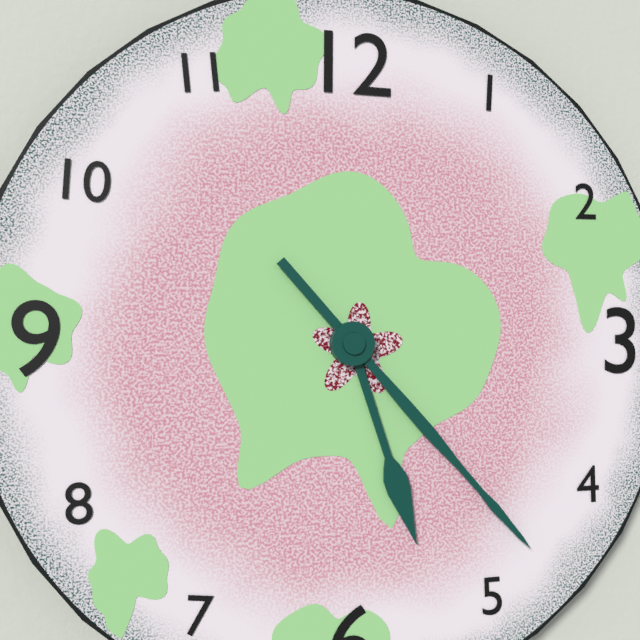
5.23
